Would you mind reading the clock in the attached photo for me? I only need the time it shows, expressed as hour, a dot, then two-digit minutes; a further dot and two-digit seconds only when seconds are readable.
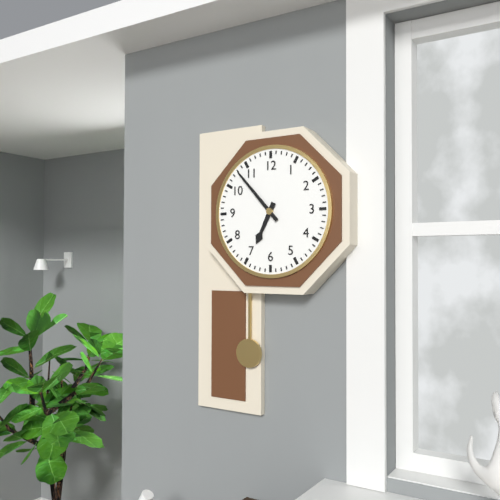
6.53
